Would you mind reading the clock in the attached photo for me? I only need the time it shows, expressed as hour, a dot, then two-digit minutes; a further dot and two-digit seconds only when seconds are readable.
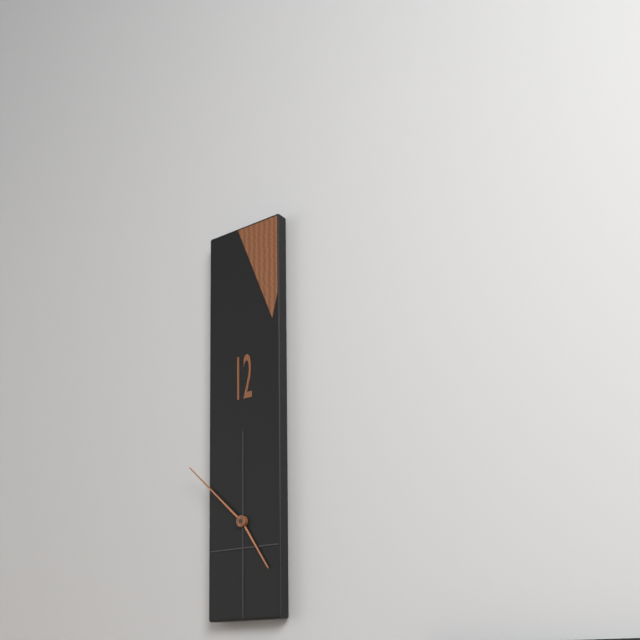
4.52
